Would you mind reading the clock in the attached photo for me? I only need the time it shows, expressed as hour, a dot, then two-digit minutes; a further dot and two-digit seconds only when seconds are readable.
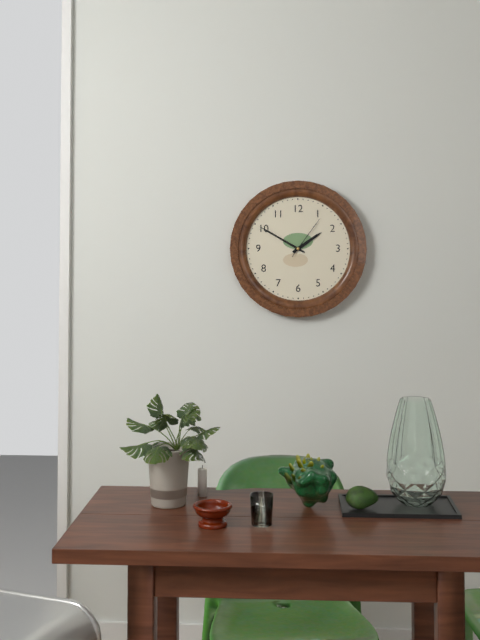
1.50
